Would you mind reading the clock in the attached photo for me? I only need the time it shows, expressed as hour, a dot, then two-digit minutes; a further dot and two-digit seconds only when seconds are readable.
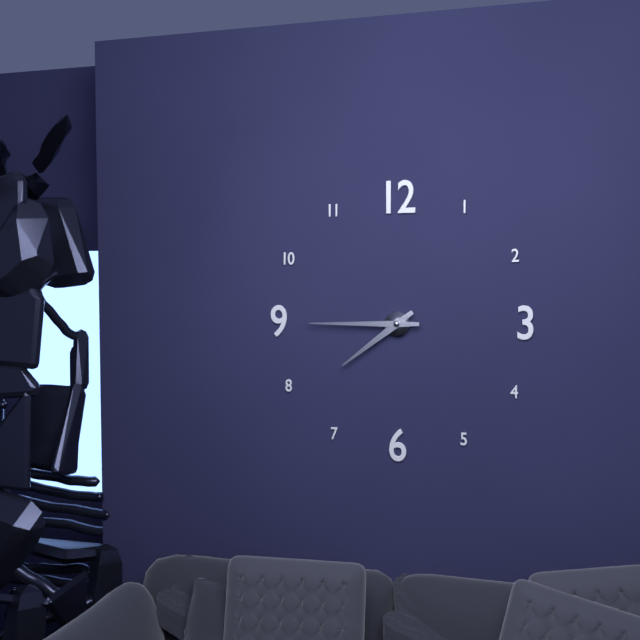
7.45
